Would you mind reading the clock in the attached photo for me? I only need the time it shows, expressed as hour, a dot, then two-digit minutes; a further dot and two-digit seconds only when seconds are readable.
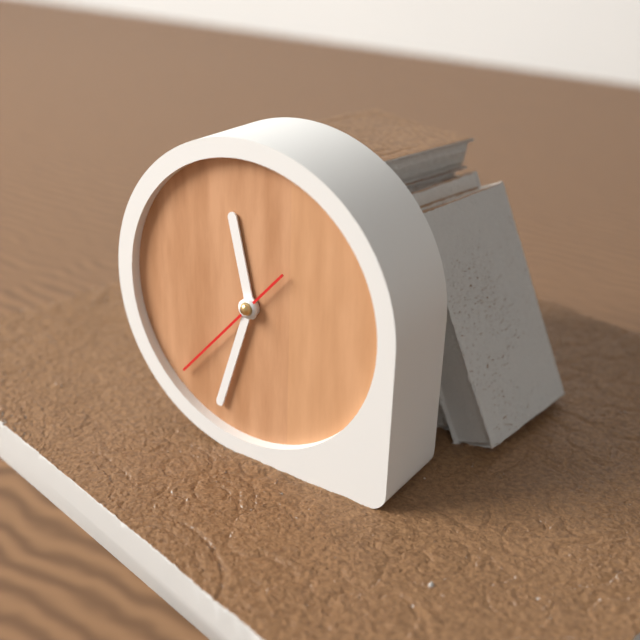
11.33.37
